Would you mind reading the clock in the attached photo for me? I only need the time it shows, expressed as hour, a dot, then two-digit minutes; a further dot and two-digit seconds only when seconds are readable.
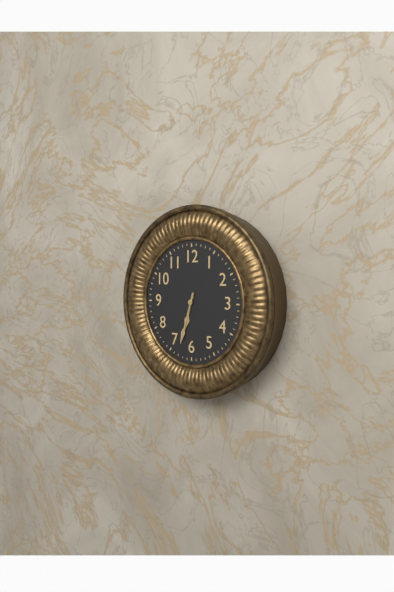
6.33
